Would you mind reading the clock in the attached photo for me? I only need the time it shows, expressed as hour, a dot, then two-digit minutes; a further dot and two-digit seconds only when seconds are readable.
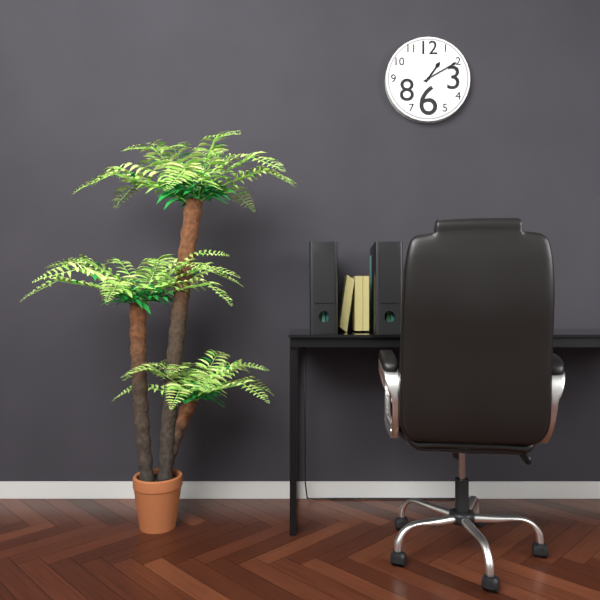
1.10
